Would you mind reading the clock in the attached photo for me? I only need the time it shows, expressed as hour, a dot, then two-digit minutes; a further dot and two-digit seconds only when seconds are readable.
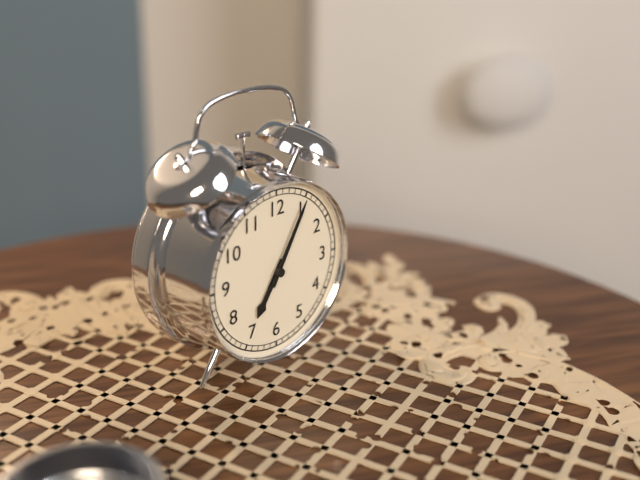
7.05
